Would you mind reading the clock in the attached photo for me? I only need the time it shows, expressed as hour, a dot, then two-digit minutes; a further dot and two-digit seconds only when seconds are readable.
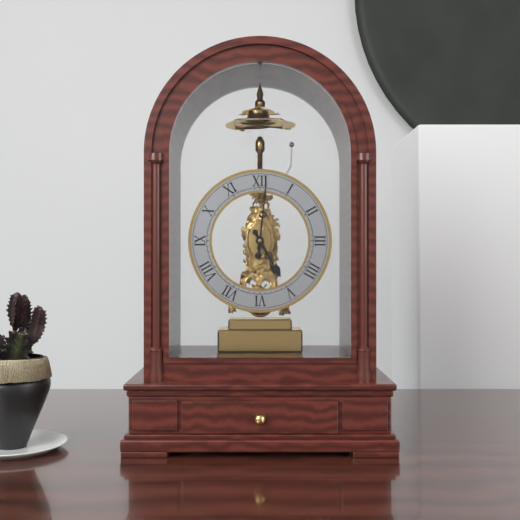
5.01
